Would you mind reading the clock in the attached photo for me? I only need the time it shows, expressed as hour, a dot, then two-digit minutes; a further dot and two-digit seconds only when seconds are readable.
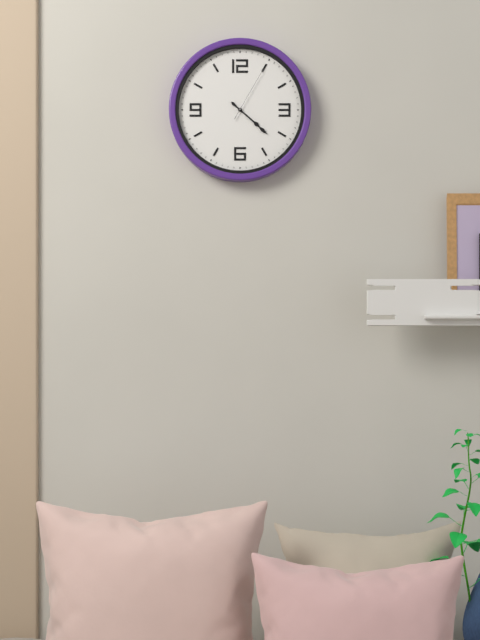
4.22.05
